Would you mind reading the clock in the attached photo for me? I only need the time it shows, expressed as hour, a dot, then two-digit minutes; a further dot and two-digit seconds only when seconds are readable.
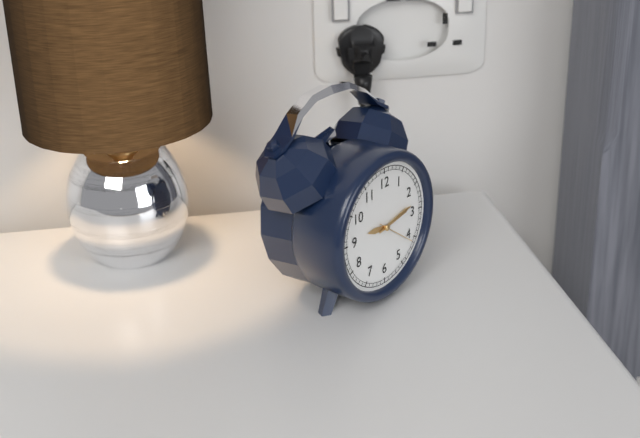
9.13
